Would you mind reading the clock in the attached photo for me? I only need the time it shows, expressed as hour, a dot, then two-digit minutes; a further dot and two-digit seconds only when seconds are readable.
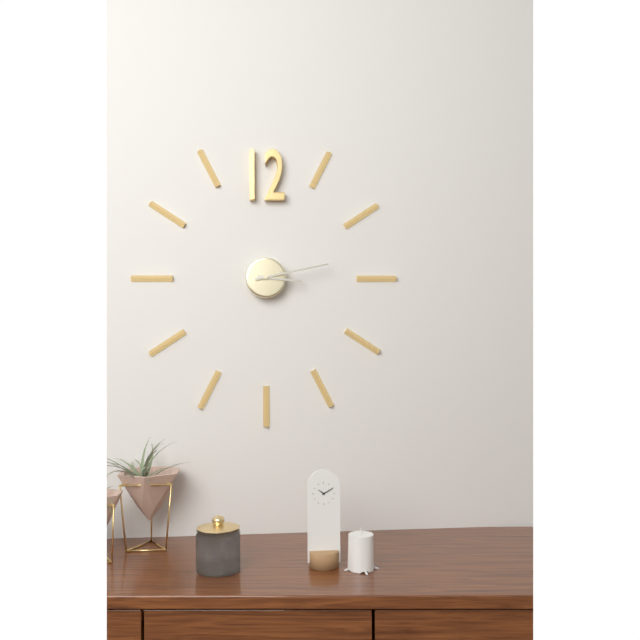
3.13
